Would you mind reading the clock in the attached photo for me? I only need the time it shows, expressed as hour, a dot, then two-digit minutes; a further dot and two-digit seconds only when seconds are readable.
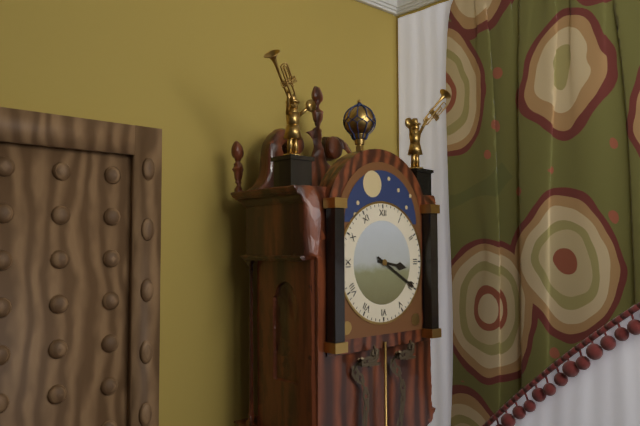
3.20
